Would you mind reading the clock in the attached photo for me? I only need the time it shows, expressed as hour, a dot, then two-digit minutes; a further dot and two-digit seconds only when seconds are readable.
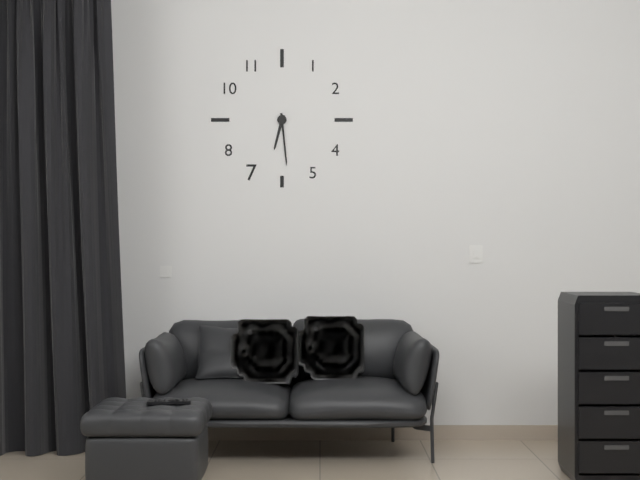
6.29
